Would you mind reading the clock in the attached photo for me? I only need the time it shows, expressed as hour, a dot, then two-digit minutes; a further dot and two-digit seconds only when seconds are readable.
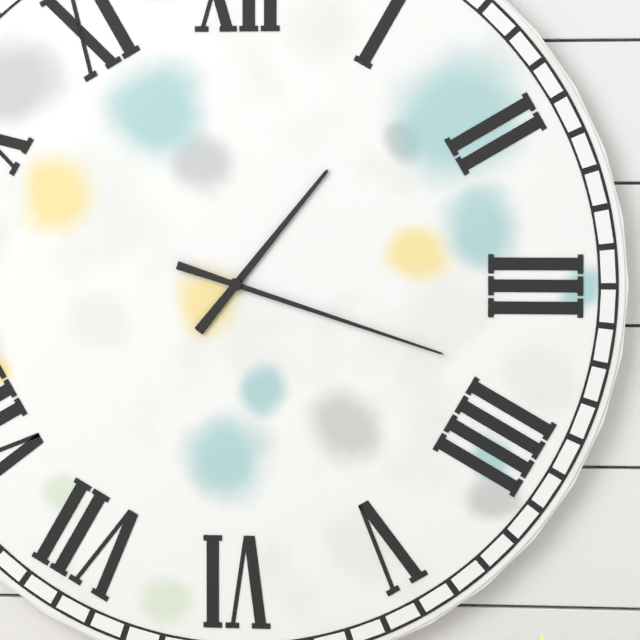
1.18
